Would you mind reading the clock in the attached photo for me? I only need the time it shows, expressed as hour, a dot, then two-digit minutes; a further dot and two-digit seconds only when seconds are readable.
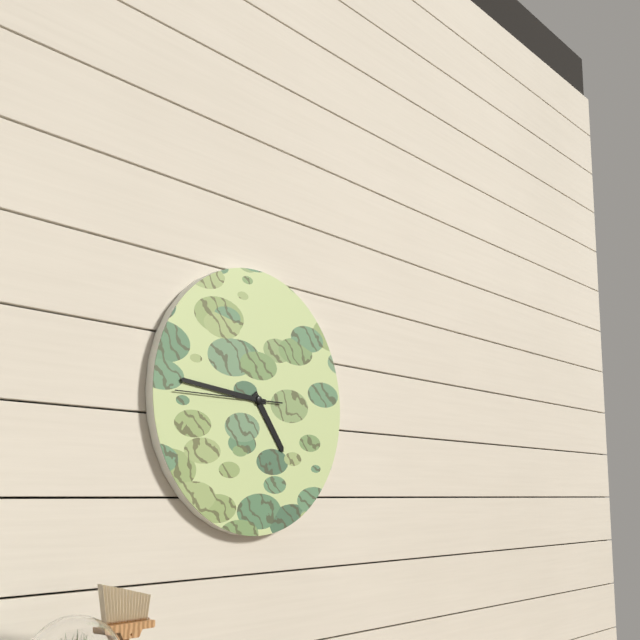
4.46.45
